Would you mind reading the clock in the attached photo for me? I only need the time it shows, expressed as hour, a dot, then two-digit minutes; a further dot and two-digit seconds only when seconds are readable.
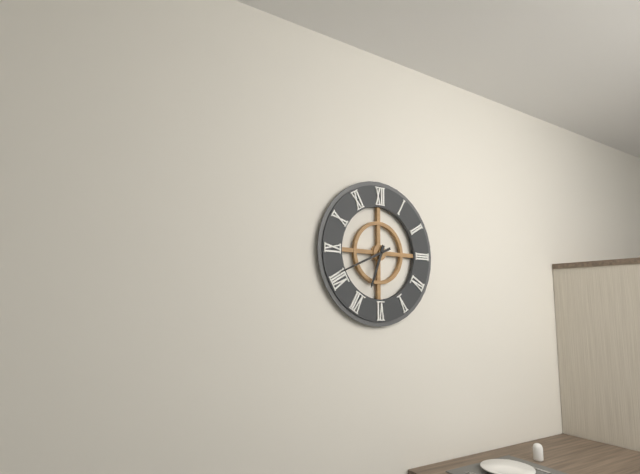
6.41
